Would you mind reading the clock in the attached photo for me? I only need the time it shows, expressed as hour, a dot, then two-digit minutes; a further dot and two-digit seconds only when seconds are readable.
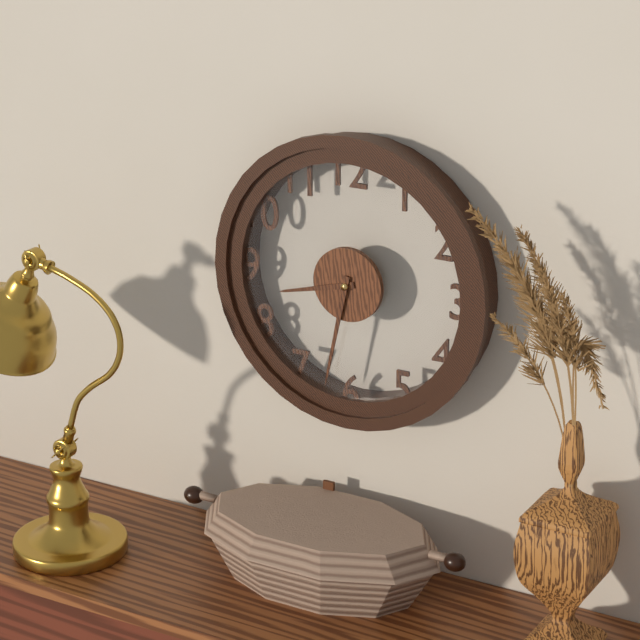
8.32
